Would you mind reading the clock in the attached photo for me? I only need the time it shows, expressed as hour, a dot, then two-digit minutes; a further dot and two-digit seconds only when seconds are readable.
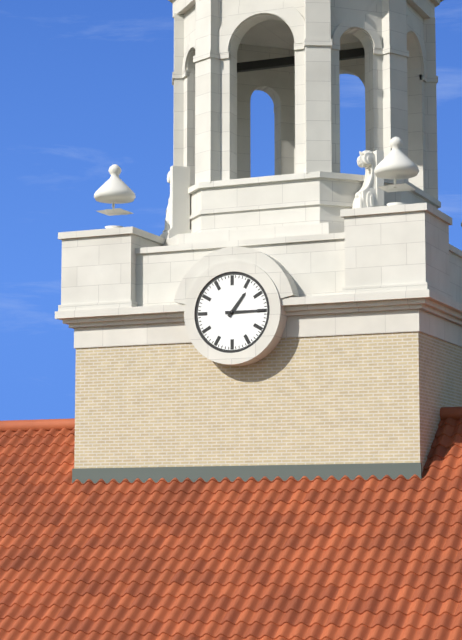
1.15
